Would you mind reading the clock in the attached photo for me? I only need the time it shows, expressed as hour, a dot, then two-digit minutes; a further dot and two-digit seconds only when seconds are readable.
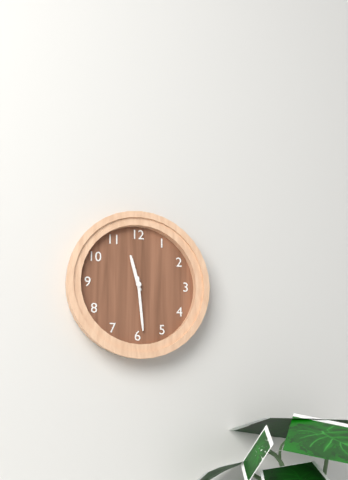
11.29
